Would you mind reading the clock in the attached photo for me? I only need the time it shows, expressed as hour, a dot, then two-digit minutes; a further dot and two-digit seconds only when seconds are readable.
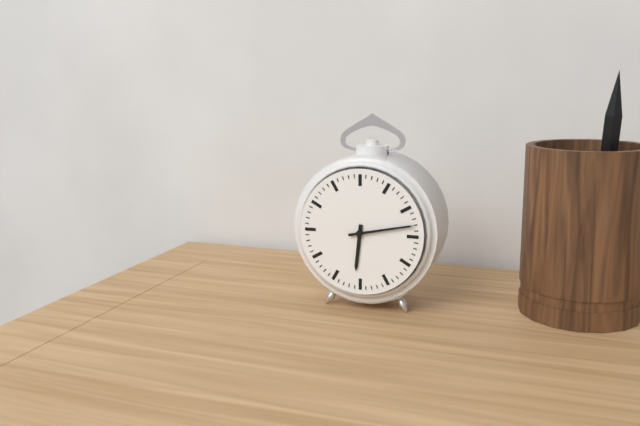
6.13
